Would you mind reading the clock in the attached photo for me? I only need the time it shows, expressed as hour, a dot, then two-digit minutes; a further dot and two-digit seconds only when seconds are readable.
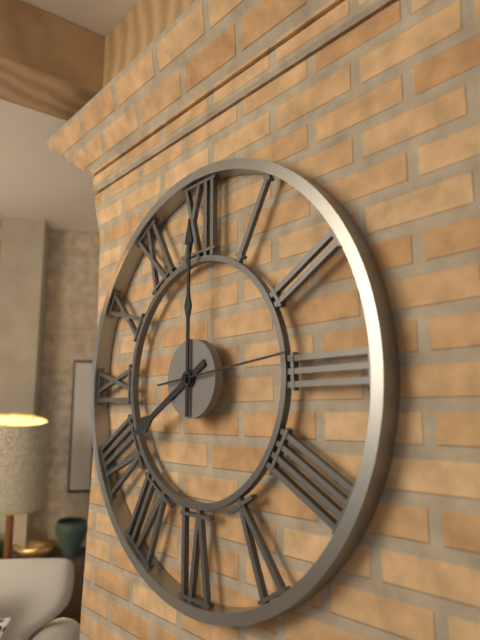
8.00.14
